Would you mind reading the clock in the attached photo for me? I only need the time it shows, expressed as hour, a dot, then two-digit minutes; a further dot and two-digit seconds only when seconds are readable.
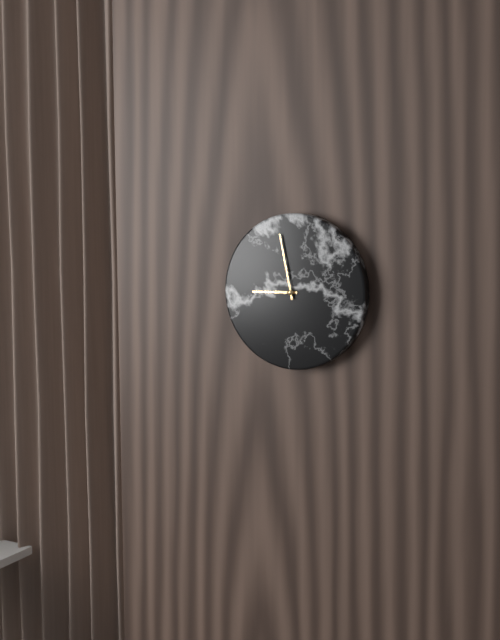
8.58
